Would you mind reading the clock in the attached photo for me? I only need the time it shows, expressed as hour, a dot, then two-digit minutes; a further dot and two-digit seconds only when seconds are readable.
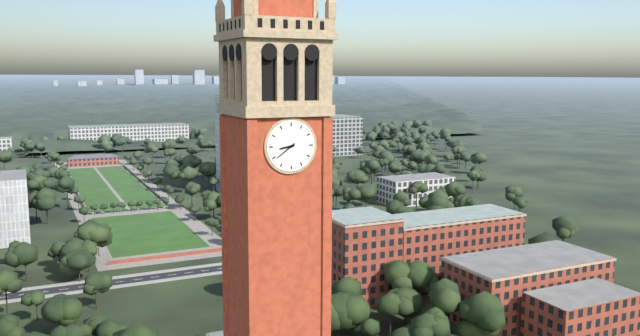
8.39
